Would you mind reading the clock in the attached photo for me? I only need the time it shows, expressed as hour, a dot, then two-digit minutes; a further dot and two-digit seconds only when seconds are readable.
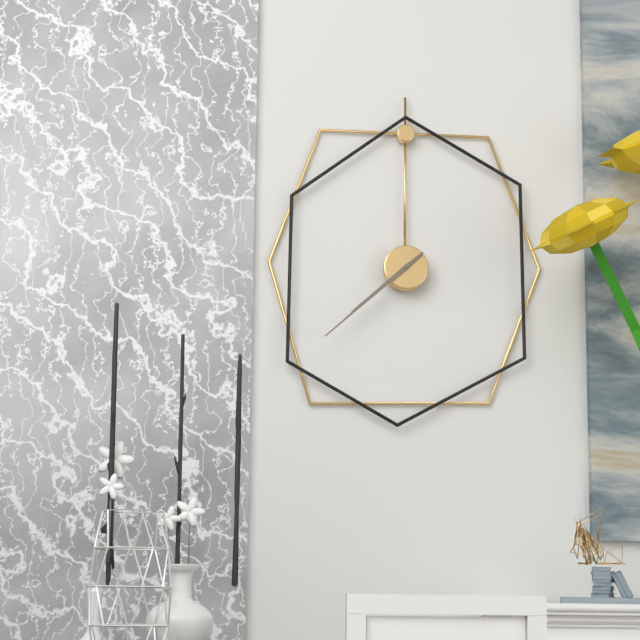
7.38
